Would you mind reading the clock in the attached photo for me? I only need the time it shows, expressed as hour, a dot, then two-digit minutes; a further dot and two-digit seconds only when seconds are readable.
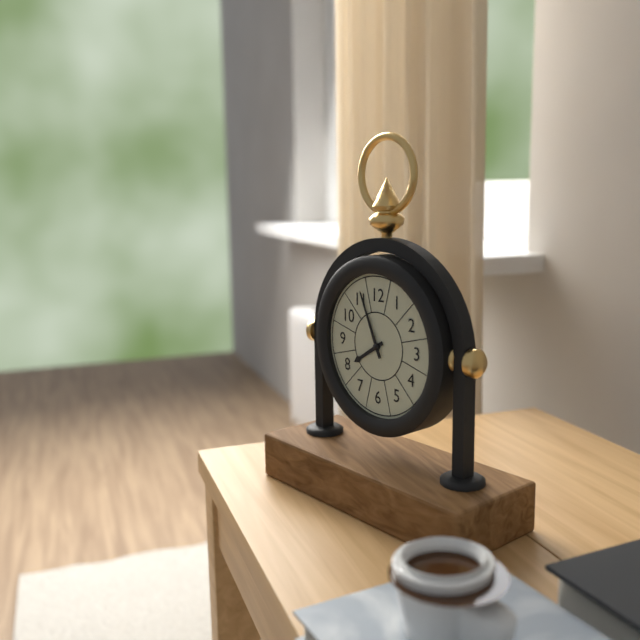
7.56
